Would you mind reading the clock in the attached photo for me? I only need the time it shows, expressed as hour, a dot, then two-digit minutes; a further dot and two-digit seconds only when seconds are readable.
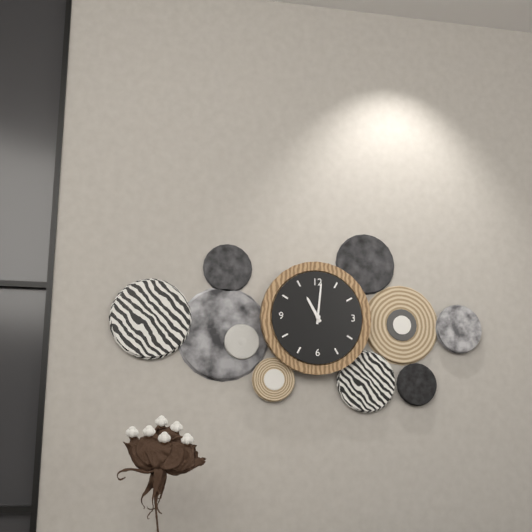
11.01
